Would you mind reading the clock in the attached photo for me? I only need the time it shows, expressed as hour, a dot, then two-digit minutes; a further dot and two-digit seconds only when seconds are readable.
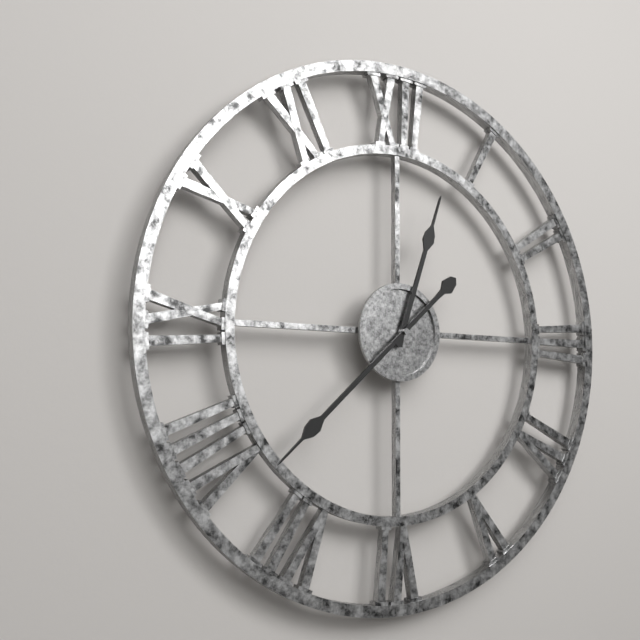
12.38
